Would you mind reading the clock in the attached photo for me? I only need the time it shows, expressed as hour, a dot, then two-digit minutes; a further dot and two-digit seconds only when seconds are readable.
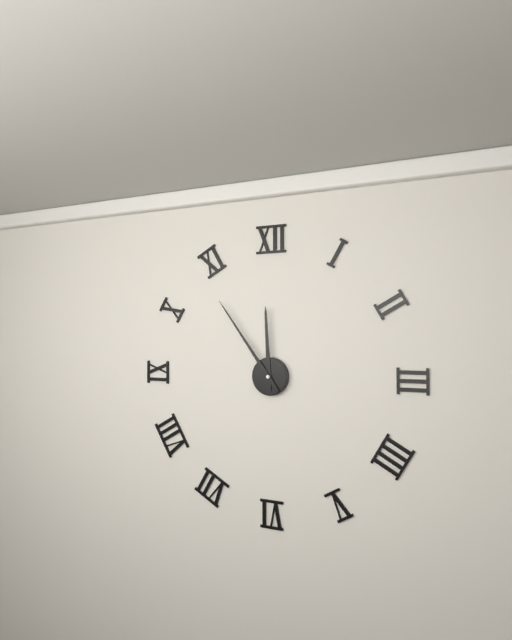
11.54
